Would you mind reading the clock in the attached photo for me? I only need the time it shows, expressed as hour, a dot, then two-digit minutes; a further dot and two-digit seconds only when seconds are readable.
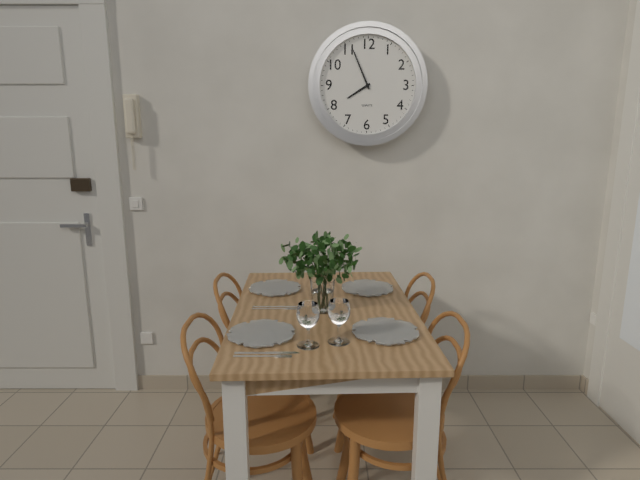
7.56
